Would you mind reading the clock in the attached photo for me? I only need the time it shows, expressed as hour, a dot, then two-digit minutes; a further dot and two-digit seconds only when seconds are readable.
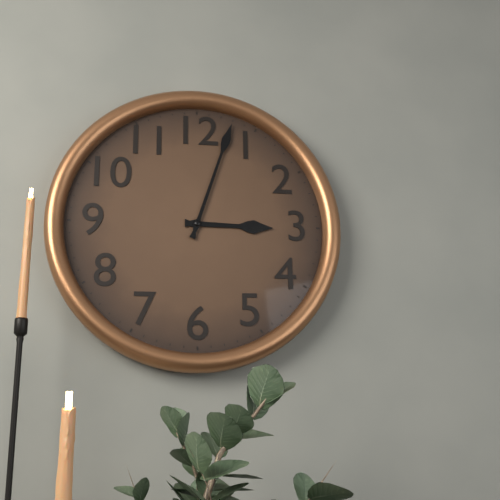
3.03
